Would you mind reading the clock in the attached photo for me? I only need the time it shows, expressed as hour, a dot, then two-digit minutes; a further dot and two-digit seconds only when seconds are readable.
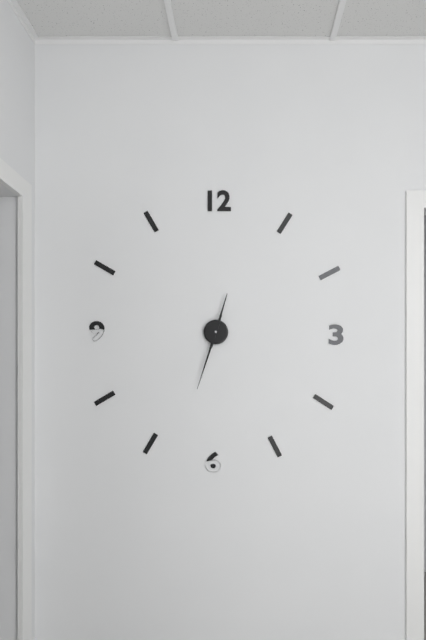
12.33
